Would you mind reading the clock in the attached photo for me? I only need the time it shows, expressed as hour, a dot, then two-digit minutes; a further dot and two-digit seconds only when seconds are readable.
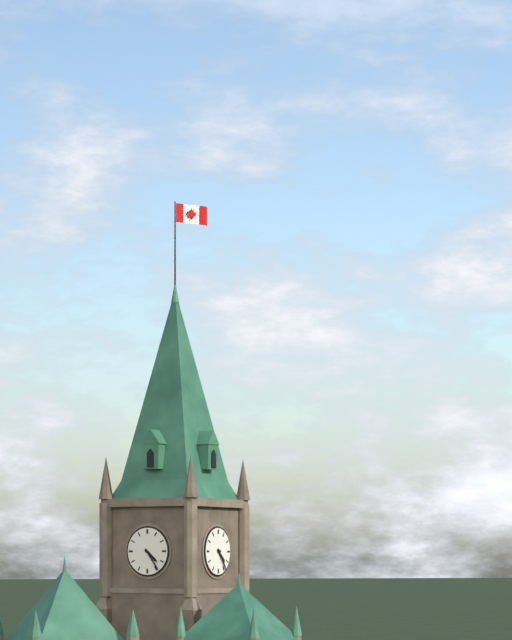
4.24
